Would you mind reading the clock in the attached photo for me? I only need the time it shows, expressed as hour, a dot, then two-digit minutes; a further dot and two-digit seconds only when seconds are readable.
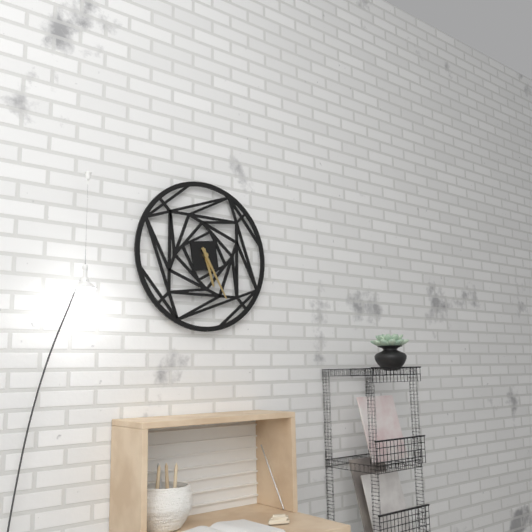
5.25
